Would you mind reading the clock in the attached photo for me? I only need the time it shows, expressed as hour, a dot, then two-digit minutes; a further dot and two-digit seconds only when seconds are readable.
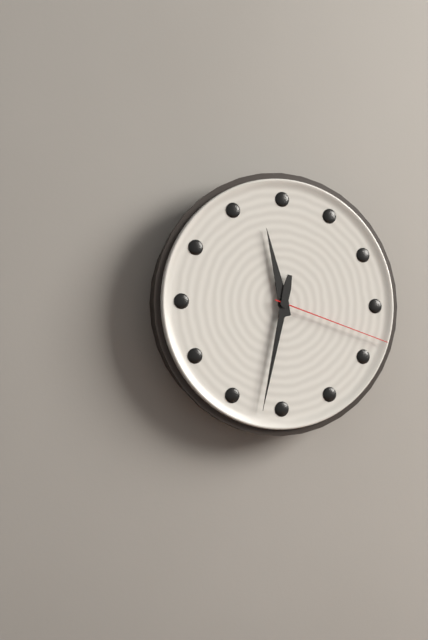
11.32.18
